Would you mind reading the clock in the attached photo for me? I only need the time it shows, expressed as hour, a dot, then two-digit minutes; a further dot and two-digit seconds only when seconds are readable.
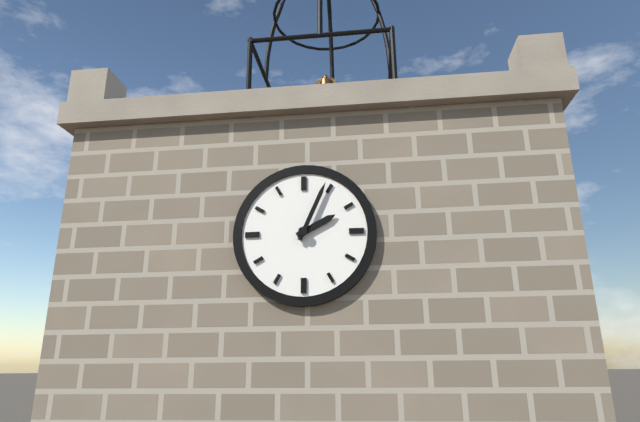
2.04
